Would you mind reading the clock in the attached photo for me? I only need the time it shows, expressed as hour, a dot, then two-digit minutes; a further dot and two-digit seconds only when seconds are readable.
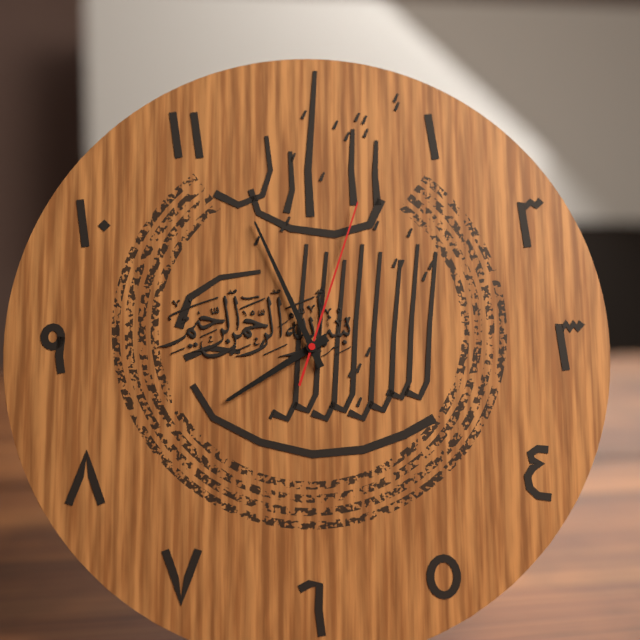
7.56.03
